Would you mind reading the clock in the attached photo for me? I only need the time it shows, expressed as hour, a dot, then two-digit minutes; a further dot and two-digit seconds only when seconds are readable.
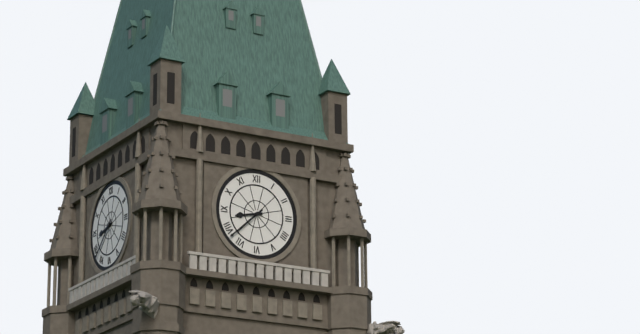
8.38
